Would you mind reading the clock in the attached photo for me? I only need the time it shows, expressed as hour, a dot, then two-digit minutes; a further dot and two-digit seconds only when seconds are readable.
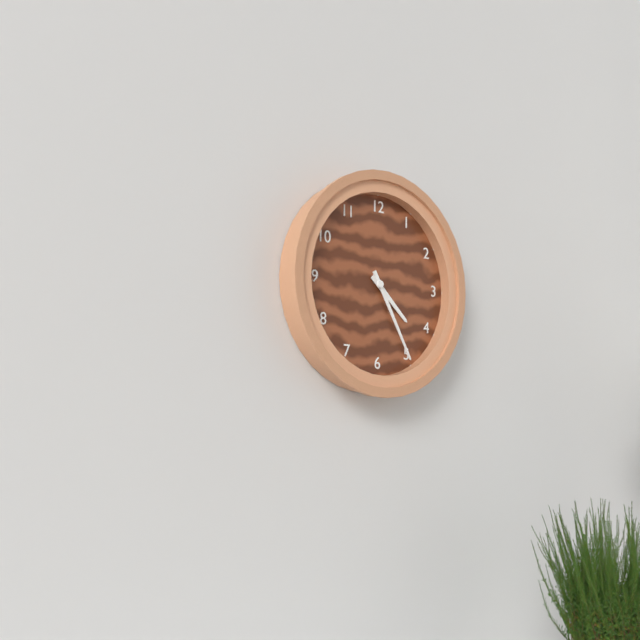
4.25
